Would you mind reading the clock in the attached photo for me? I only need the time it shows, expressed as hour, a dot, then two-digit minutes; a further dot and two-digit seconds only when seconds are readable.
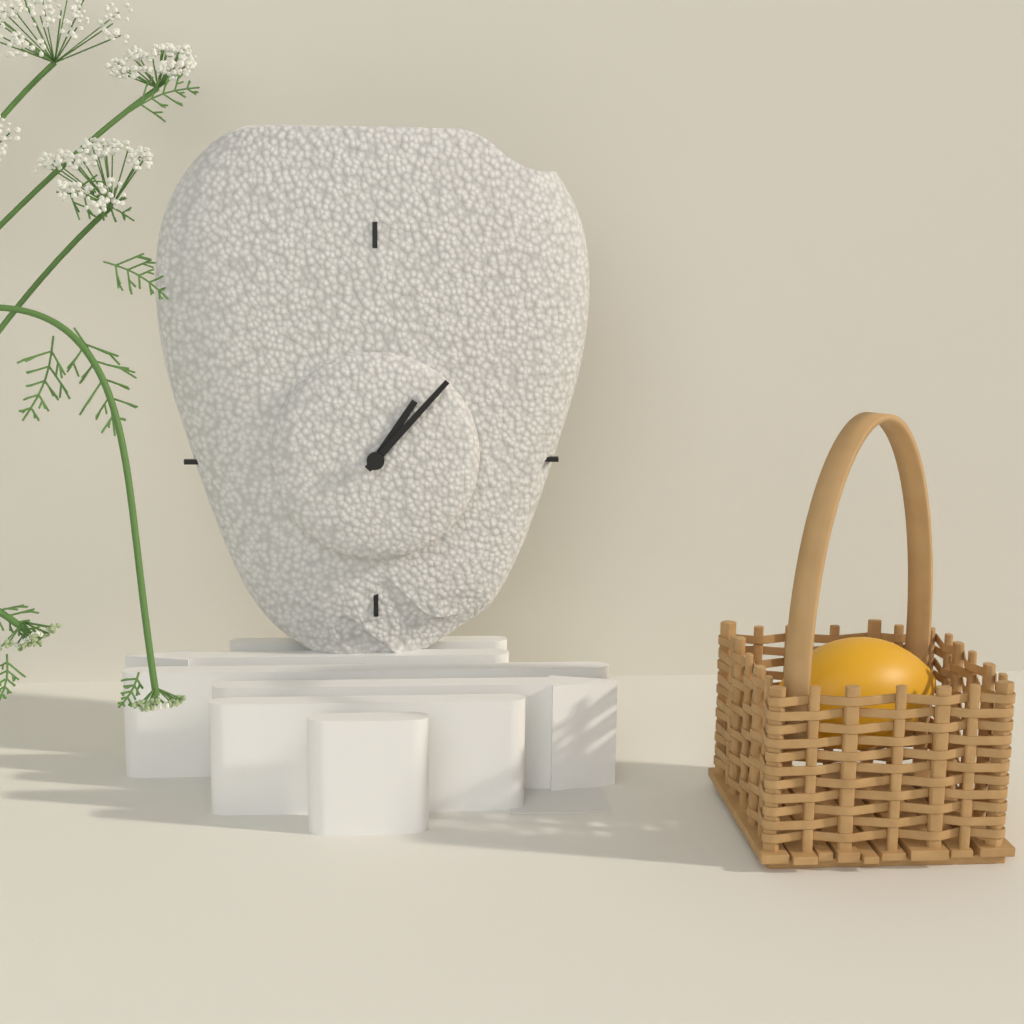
1.07
